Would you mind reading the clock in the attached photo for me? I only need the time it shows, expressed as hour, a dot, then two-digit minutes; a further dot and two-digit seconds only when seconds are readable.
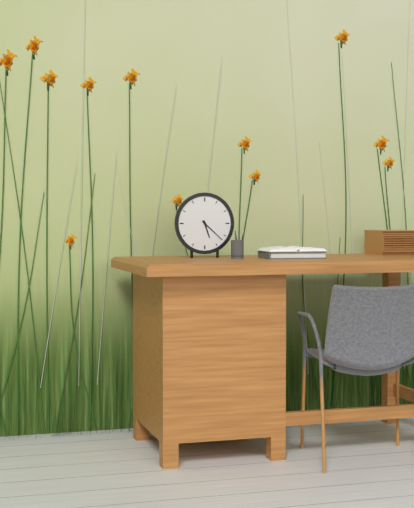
5.22
